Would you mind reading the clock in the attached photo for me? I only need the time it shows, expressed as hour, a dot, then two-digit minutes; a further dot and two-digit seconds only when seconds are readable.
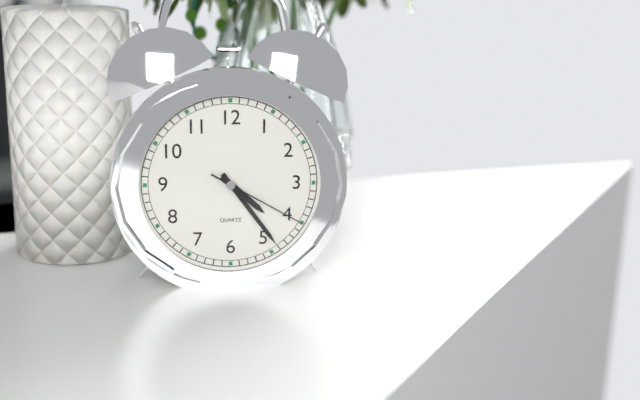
4.24.20
